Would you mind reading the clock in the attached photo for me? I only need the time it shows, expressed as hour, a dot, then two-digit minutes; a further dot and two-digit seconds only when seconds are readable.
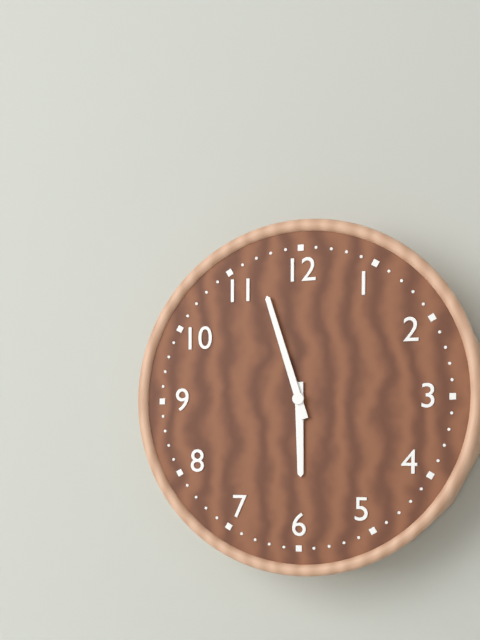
5.57
